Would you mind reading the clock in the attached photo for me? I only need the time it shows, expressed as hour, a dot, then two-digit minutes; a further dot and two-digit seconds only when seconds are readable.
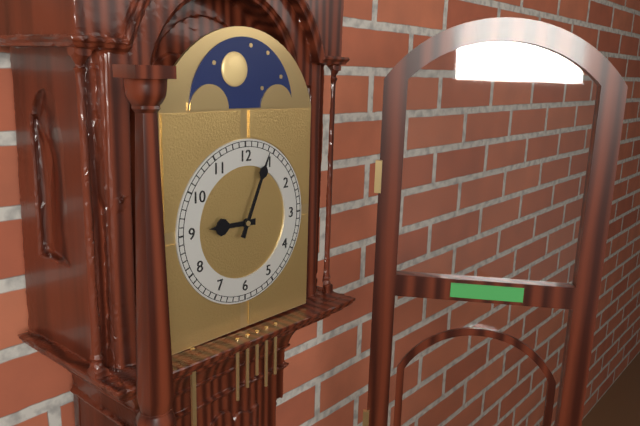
9.04
